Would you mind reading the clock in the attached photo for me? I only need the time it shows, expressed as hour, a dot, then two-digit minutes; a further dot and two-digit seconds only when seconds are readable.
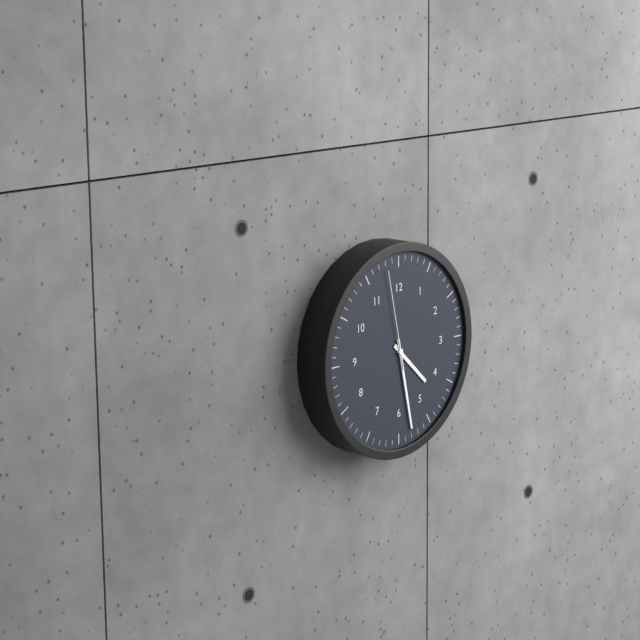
4.28.58
